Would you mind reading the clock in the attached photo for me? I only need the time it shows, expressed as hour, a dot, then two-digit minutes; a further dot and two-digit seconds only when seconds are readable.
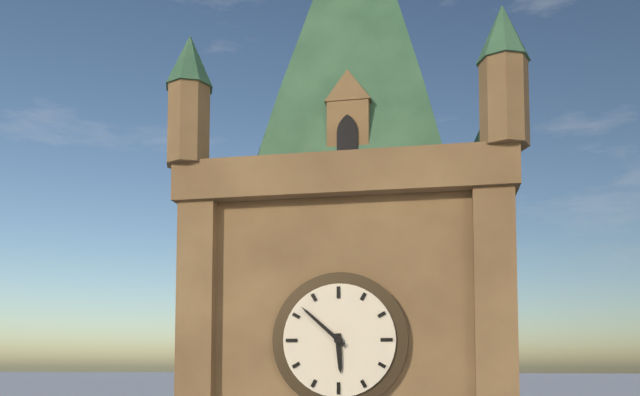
5.52
